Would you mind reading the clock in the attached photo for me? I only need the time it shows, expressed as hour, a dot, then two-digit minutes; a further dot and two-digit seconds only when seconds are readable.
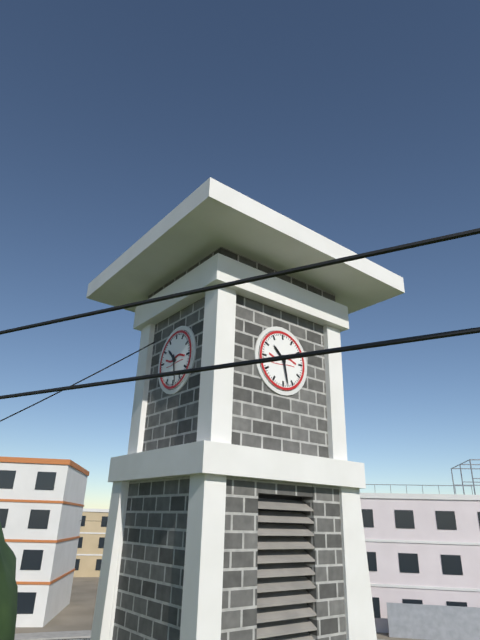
10.28
